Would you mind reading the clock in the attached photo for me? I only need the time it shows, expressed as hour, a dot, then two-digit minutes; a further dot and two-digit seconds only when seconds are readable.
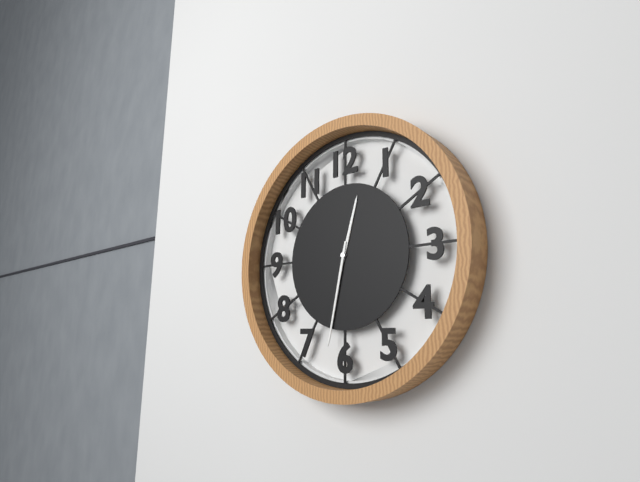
12.32
